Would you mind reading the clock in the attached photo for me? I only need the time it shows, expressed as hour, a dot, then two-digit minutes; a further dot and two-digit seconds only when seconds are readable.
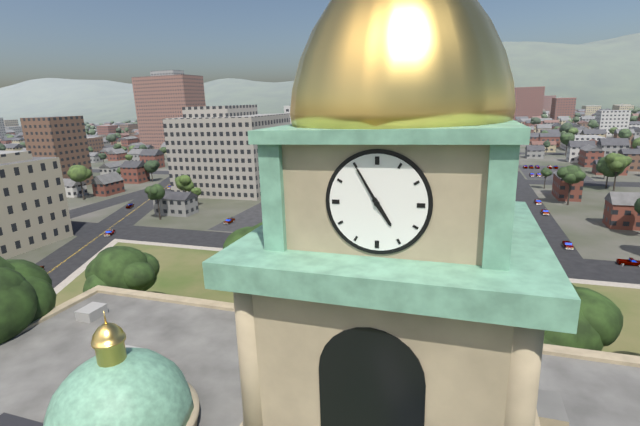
4.55
